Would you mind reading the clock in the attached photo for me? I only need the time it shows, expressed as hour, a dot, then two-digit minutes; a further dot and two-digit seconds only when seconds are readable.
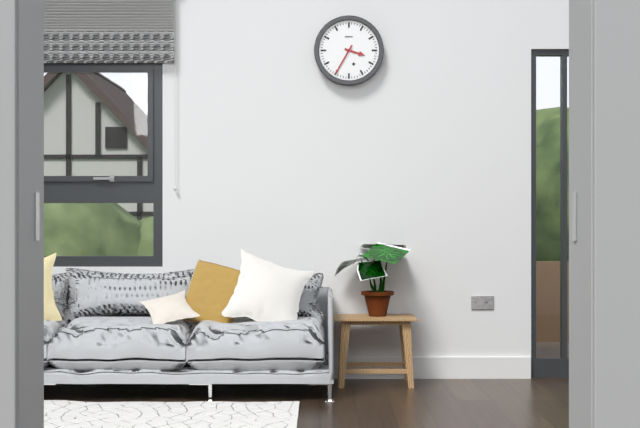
3.35
